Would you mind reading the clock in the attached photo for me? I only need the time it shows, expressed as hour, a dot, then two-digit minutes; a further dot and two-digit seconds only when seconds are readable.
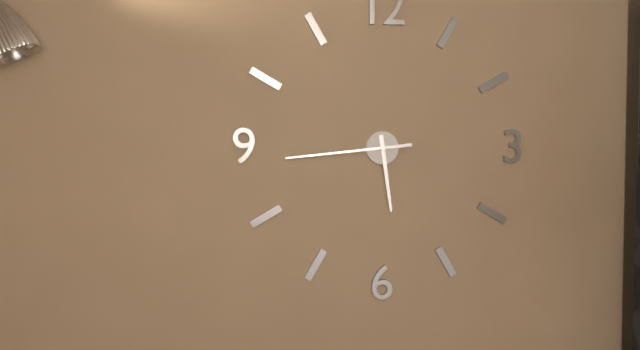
5.44
